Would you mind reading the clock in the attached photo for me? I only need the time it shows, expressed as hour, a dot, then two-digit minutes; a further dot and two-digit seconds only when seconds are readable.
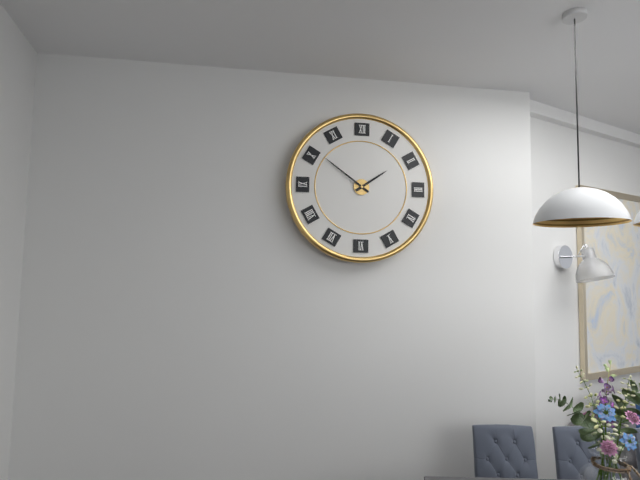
1.51
